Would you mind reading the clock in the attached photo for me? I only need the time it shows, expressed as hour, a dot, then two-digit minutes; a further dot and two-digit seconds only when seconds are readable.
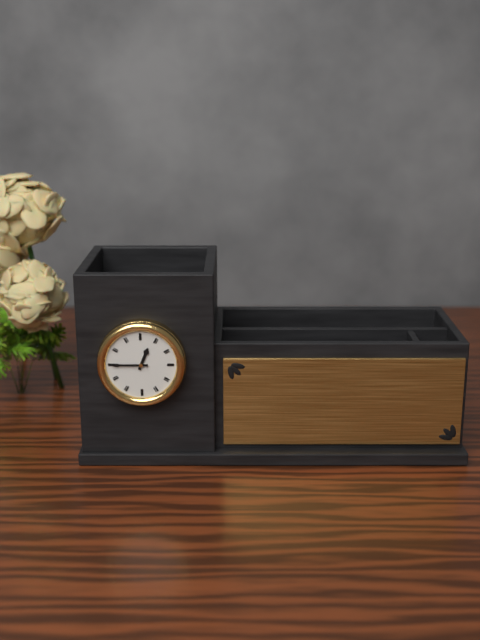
12.45
